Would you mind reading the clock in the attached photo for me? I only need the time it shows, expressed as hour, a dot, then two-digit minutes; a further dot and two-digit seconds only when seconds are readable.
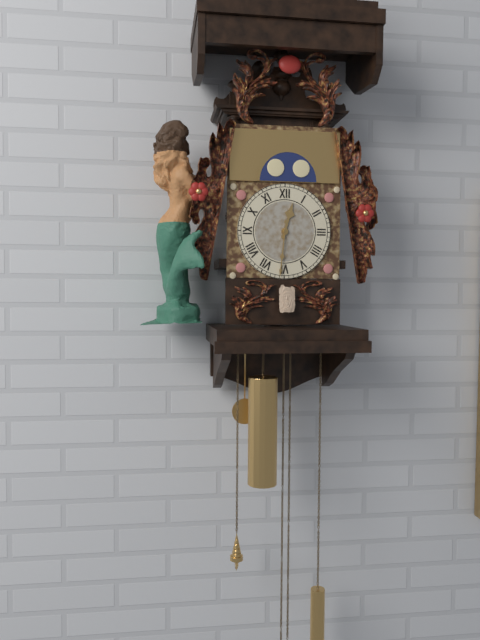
12.31
